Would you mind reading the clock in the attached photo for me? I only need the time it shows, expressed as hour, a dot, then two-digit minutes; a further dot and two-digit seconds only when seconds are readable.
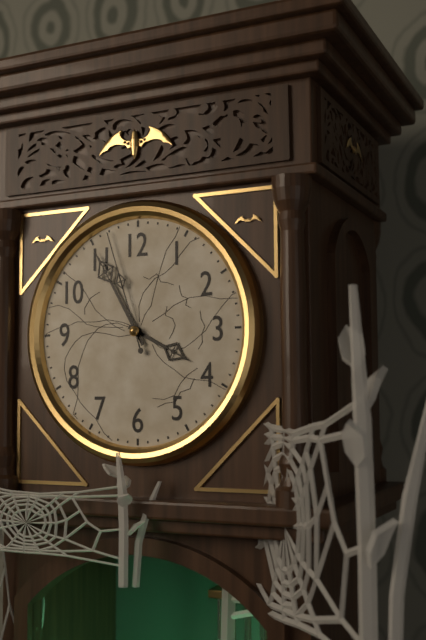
3.55.57
